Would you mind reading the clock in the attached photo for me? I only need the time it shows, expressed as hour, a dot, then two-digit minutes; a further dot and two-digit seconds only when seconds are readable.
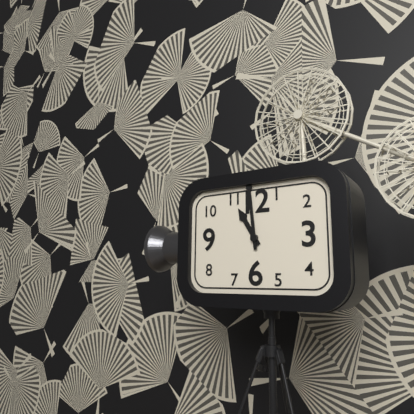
10.59
